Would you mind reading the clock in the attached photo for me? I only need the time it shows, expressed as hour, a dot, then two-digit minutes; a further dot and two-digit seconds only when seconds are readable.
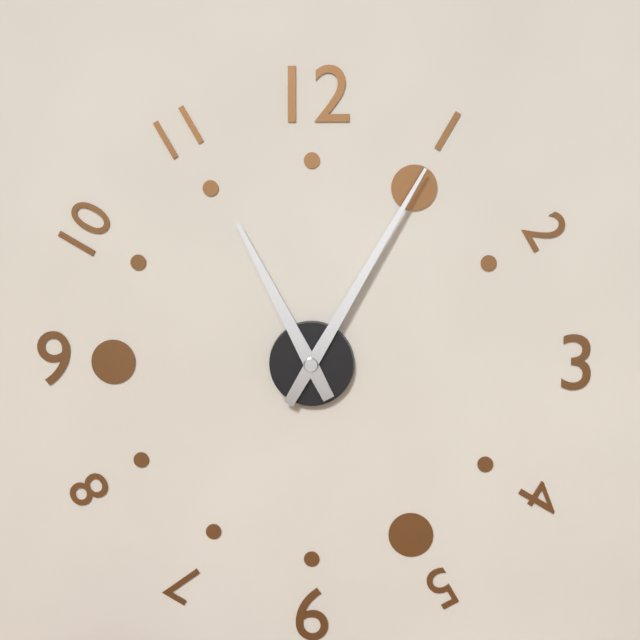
11.05
